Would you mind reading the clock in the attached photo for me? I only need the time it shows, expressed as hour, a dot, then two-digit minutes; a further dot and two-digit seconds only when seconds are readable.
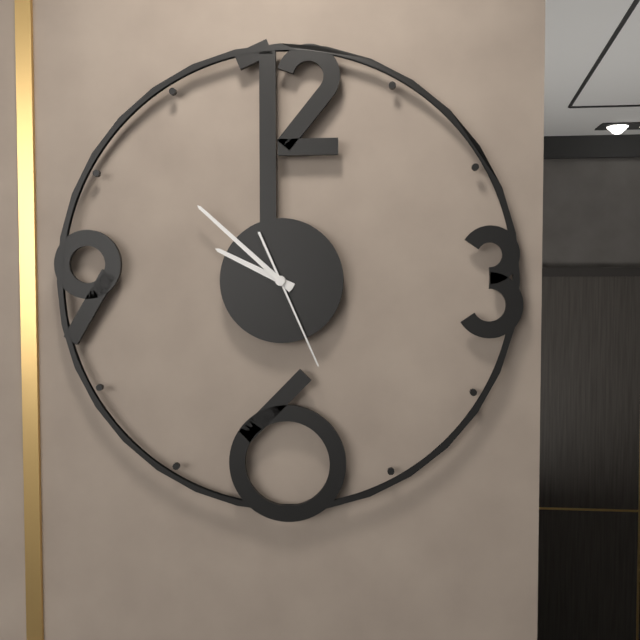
9.52.26
